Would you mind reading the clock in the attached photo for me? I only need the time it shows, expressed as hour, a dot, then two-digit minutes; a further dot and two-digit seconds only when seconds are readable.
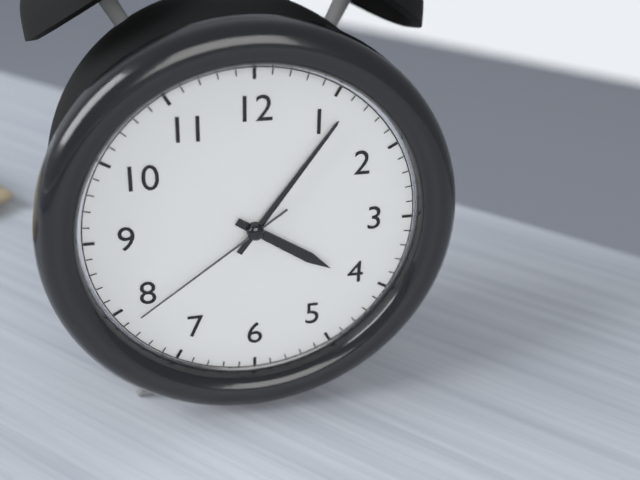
4.06.39
